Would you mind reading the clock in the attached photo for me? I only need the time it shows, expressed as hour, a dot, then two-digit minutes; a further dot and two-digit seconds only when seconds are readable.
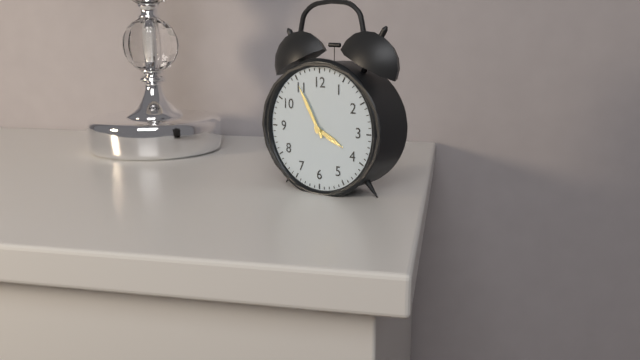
3.55
